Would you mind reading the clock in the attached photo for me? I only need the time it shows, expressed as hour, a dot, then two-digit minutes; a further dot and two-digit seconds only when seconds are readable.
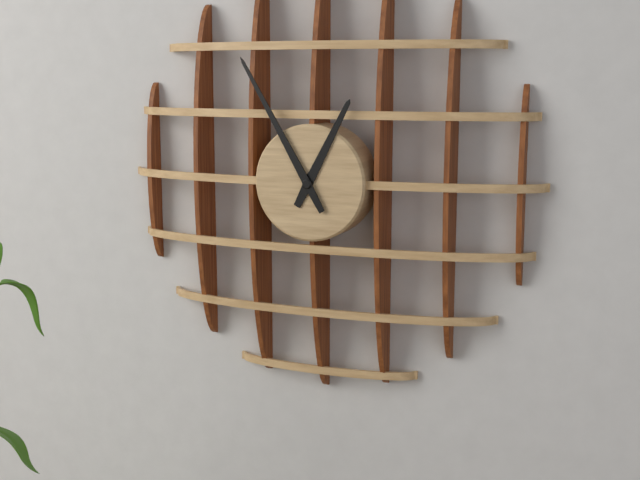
12.55
